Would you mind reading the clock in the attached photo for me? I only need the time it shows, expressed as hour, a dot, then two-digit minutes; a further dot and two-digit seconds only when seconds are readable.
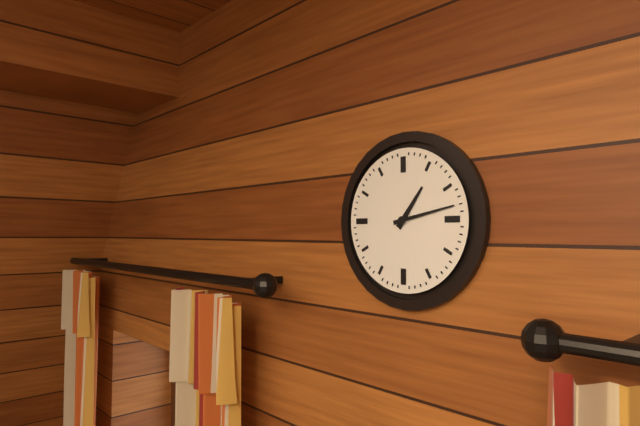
1.13
